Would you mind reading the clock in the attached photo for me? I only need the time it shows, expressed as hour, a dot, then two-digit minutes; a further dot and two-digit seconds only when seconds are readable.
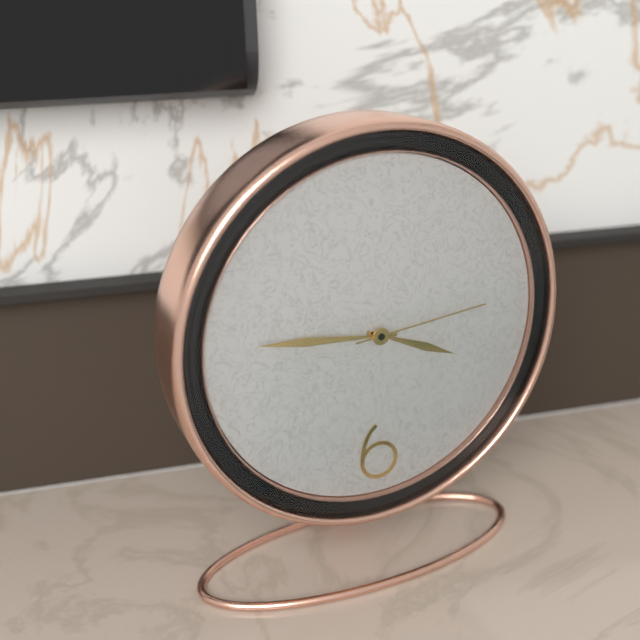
3.46.14
